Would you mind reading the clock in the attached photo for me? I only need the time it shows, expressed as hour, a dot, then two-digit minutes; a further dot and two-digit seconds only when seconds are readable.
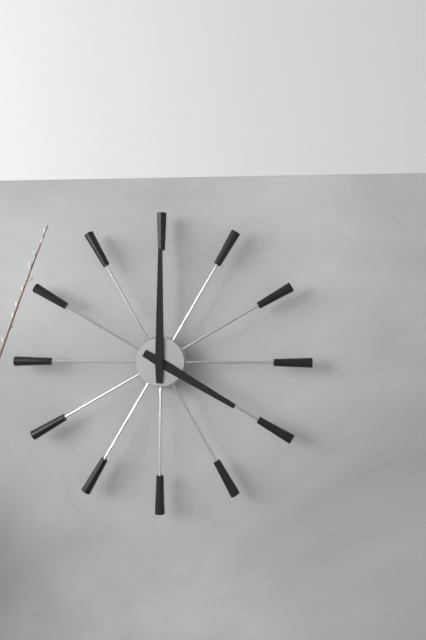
4.00
